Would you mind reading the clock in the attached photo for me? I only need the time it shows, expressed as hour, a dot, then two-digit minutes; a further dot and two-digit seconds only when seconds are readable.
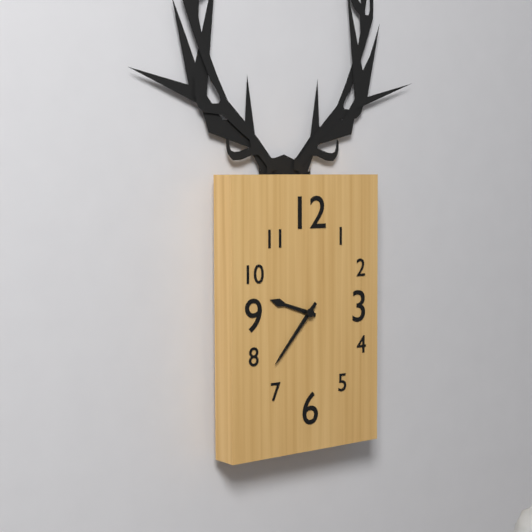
9.37
